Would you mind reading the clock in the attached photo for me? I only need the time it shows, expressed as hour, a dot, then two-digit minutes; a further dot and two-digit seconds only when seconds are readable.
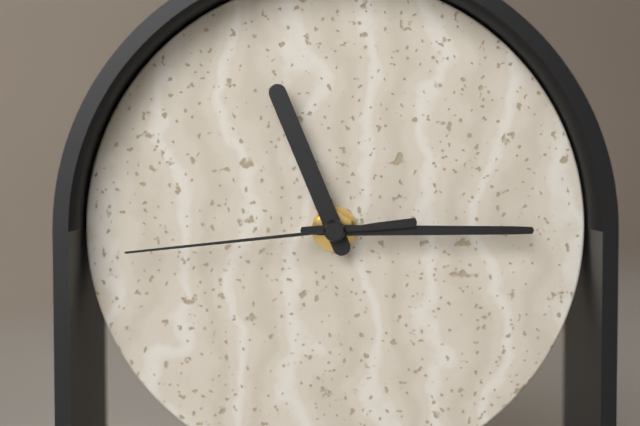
11.15.44
